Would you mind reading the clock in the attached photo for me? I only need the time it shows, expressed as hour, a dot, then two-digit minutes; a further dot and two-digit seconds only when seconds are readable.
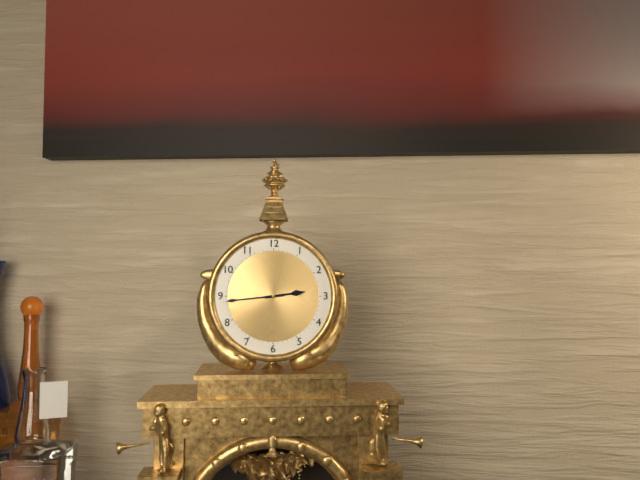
2.44
